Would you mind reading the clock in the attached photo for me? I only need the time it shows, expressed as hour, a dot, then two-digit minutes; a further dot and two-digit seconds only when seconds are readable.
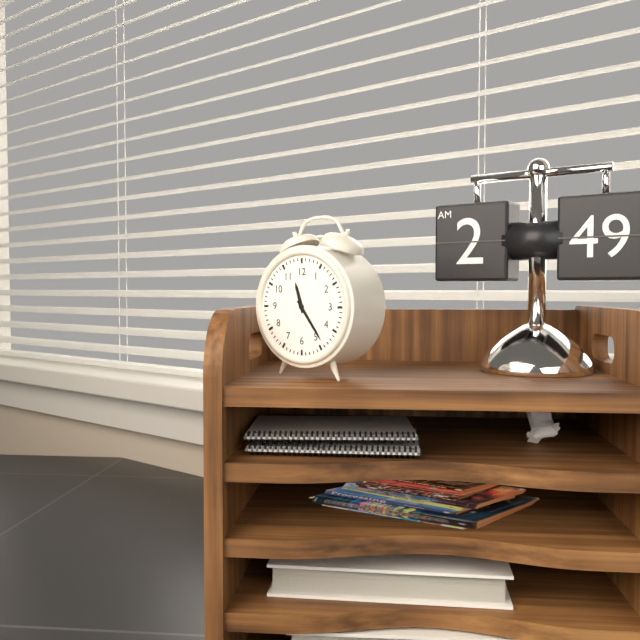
11.24
